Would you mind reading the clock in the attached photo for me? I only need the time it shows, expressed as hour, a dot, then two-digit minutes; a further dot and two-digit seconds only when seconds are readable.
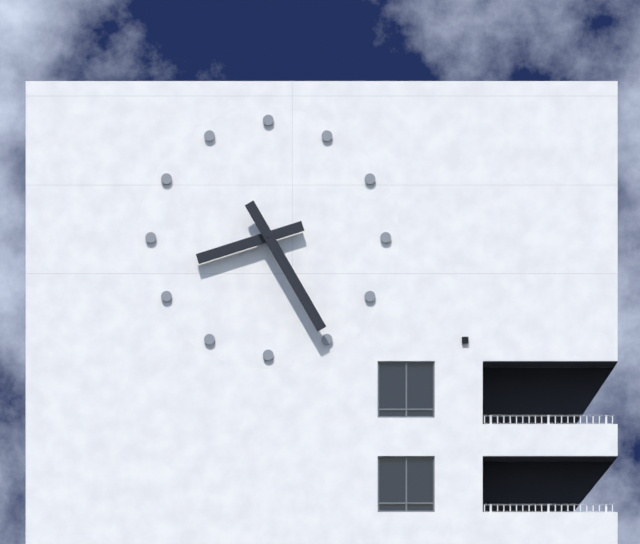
8.25
